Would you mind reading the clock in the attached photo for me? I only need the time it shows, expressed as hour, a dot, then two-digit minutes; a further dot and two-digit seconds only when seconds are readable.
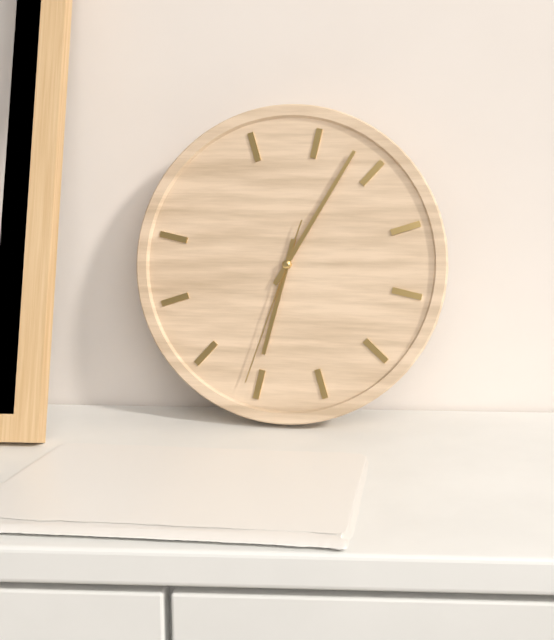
6.03.31
